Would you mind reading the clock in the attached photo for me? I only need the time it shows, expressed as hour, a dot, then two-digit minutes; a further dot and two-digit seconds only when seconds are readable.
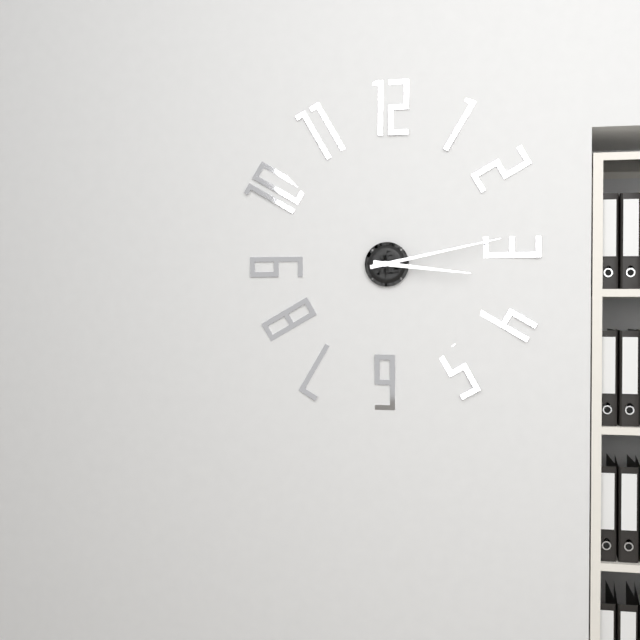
3.13
